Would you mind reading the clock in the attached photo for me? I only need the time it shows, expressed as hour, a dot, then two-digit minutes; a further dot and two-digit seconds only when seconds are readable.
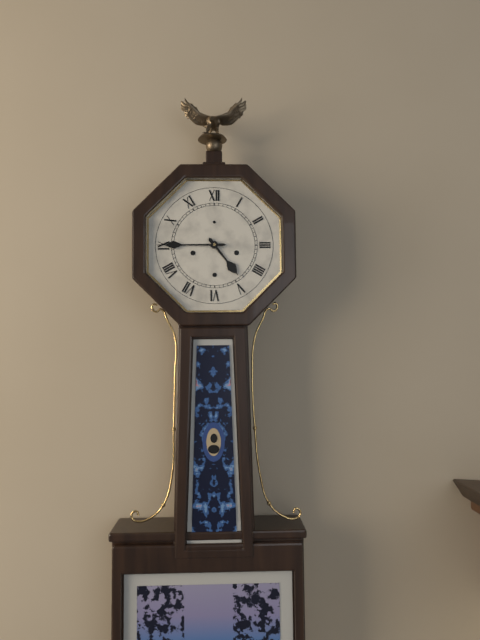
4.45
